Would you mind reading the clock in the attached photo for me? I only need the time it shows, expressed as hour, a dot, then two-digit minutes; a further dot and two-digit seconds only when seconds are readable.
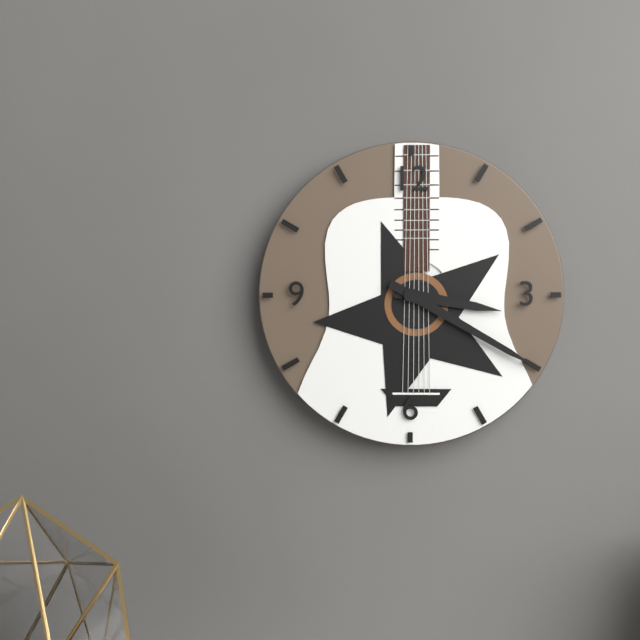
3.20
